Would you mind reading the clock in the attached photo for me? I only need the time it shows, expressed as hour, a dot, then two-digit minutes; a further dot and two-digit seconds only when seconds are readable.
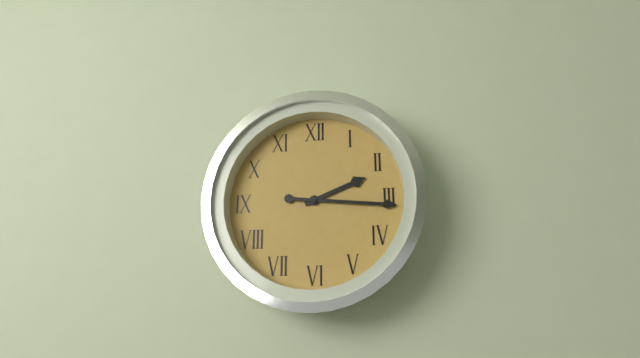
2.16
